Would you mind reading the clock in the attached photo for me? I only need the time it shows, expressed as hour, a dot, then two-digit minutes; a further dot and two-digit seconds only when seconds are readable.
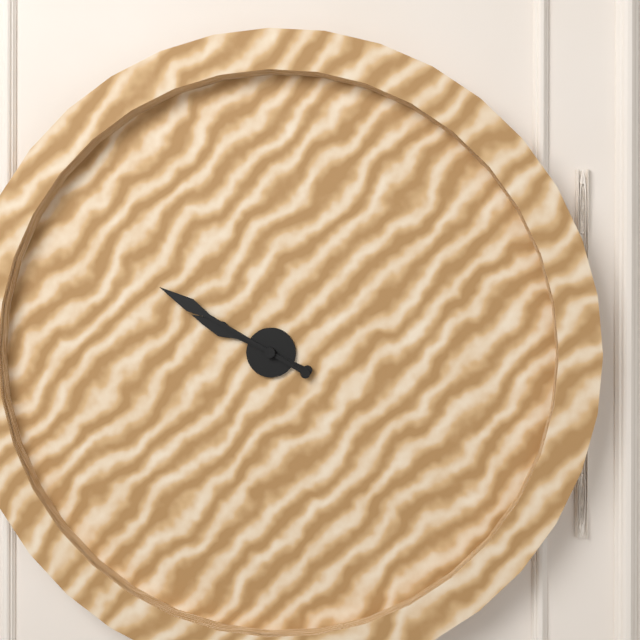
9.50
